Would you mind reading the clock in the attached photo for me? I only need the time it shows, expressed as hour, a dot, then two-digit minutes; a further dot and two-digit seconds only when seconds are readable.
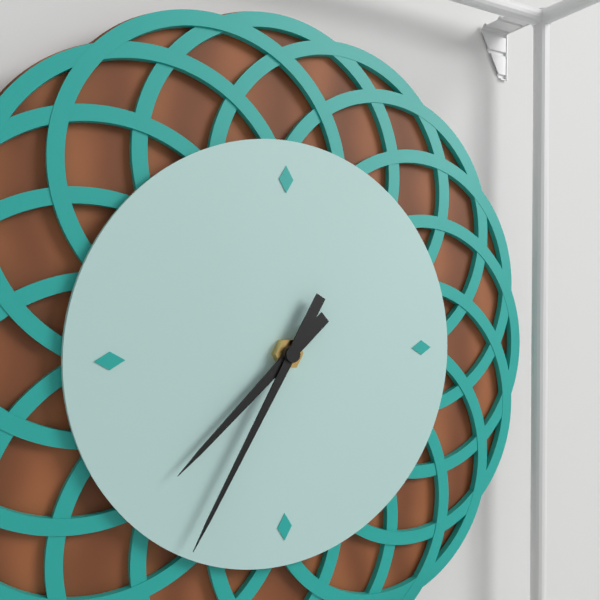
7.35
